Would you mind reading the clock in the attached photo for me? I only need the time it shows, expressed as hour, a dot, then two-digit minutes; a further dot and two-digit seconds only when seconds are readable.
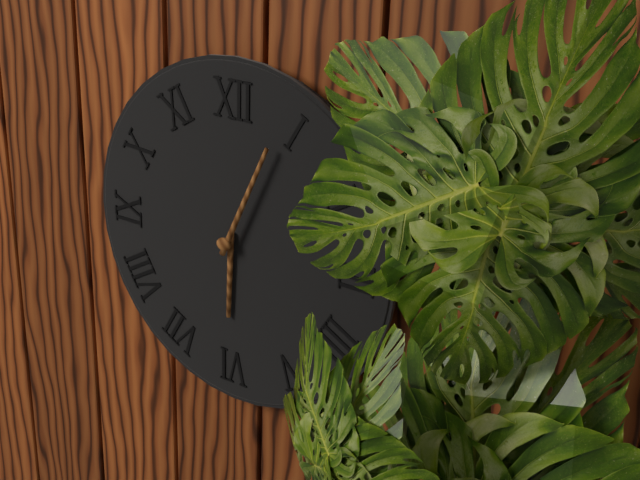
6.04
